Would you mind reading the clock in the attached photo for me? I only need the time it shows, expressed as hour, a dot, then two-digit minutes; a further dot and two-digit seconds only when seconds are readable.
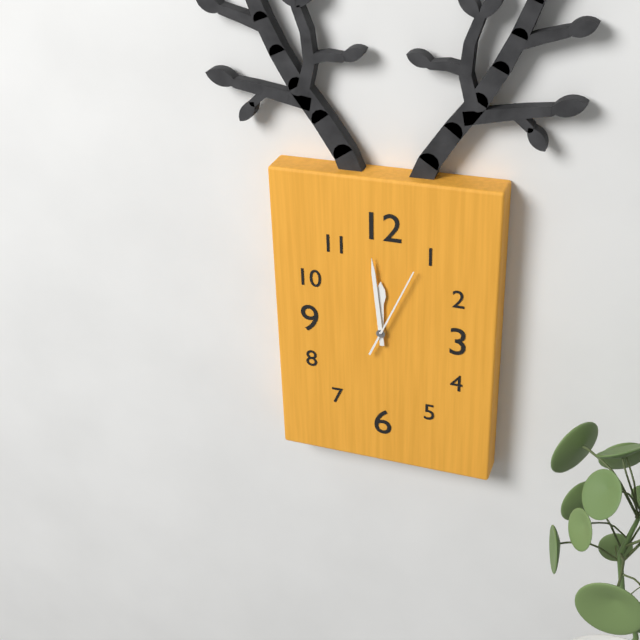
11.59.04
